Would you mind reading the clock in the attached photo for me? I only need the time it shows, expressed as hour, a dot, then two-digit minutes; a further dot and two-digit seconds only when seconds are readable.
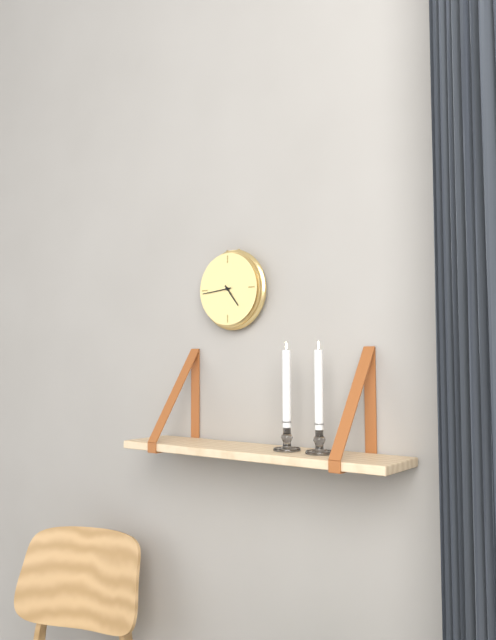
4.44
